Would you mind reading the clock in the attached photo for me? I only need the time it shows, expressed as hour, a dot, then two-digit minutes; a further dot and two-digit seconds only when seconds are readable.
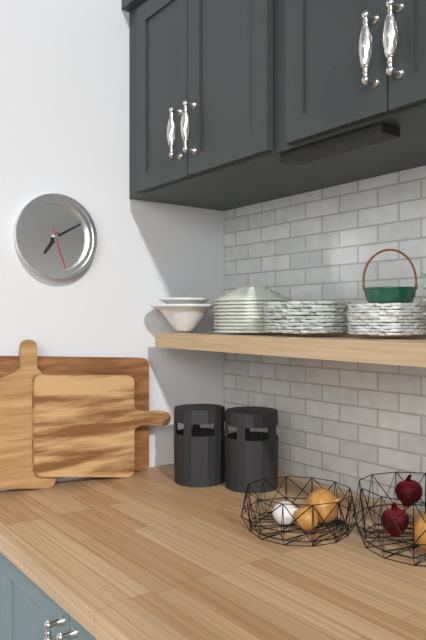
7.10
